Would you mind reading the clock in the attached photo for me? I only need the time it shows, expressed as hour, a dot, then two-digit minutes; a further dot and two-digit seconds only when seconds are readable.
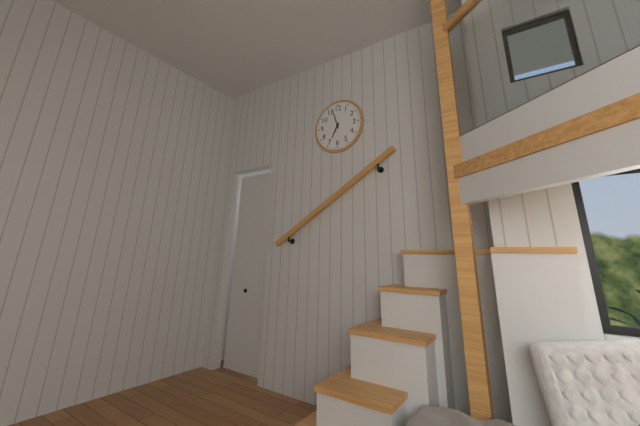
6.57
